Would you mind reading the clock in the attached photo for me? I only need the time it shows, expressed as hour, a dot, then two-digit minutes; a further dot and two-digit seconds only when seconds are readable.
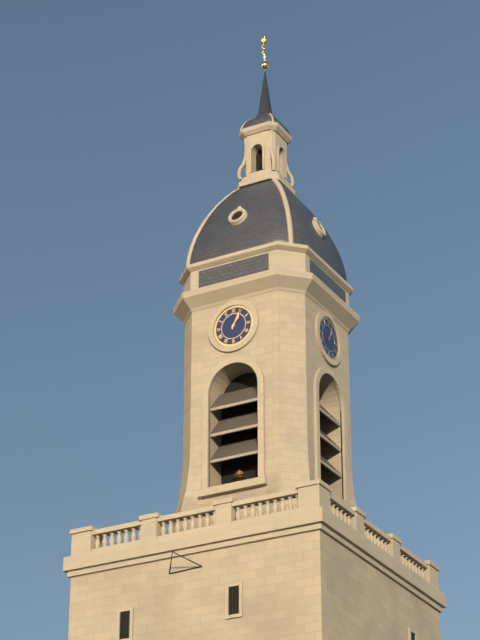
1.04
